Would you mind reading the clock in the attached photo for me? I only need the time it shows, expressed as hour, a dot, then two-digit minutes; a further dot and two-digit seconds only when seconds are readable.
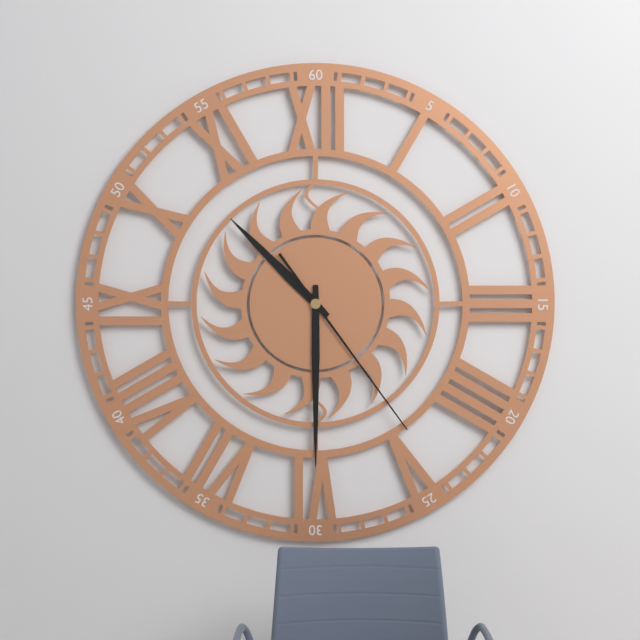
10.30.24
